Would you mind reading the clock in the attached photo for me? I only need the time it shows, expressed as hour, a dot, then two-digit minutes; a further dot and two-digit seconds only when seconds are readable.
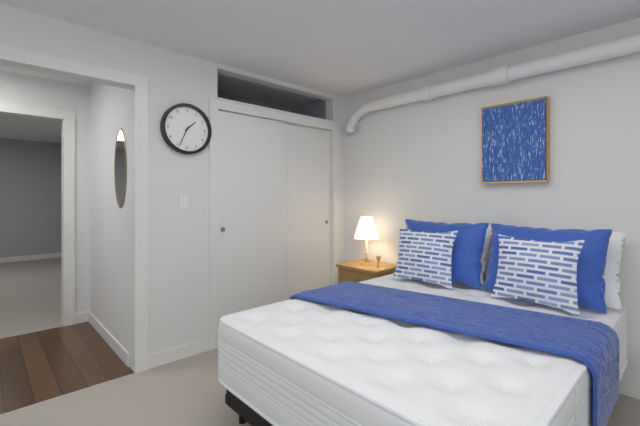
1.34
